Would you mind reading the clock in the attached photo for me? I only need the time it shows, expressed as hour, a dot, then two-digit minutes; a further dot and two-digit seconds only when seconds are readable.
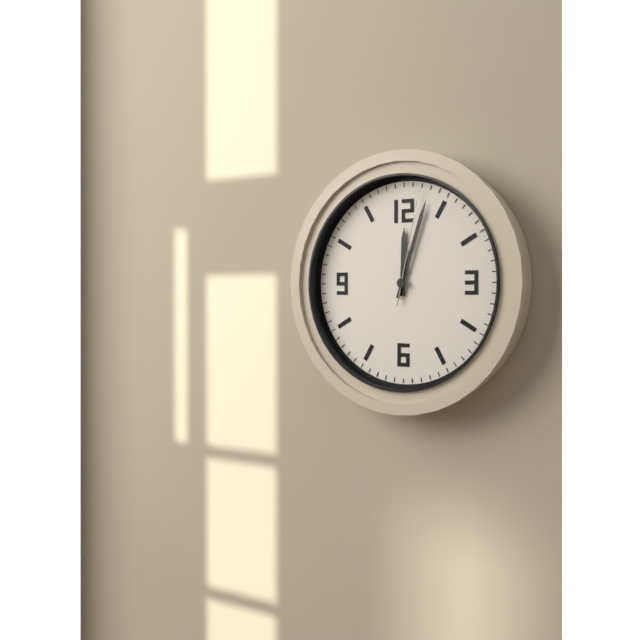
12.03.02
